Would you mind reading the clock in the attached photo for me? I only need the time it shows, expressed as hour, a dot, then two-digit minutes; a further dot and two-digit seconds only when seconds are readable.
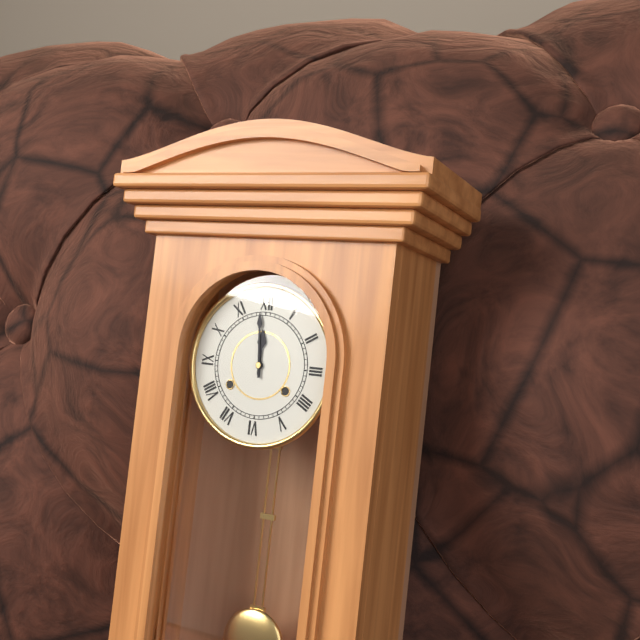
11.59
